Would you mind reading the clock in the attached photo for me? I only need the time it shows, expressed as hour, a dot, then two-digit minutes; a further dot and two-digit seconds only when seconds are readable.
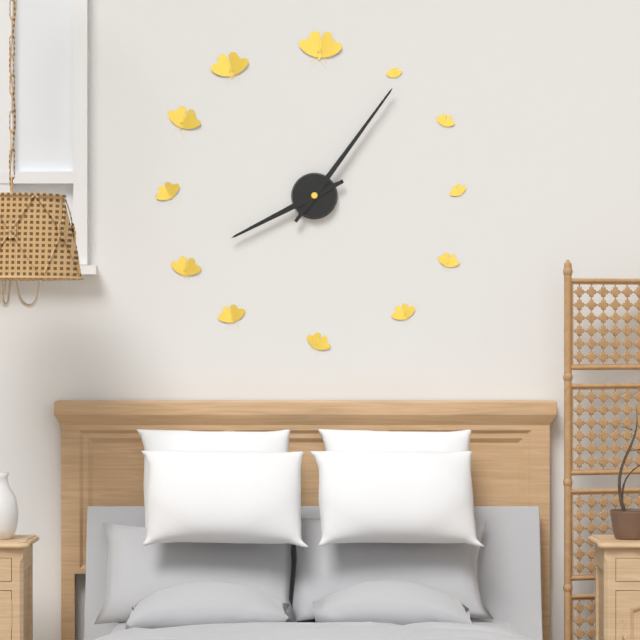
8.06
